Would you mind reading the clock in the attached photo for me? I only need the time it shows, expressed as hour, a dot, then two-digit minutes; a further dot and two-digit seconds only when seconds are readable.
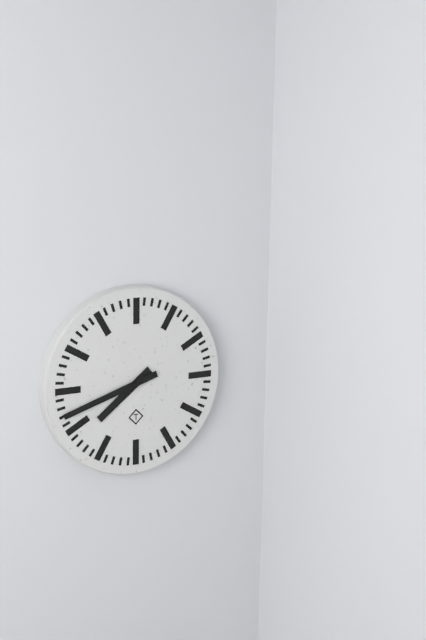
7.42
